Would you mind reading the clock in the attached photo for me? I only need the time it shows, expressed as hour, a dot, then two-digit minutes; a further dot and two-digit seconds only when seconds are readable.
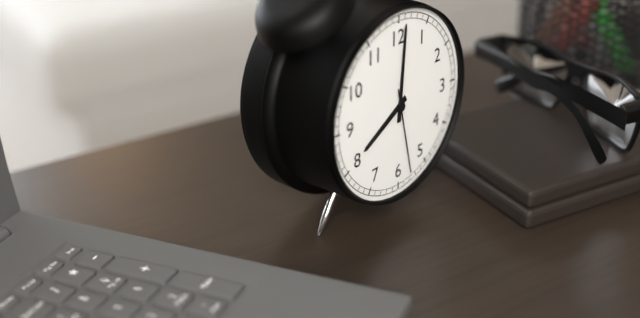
8.01.28
